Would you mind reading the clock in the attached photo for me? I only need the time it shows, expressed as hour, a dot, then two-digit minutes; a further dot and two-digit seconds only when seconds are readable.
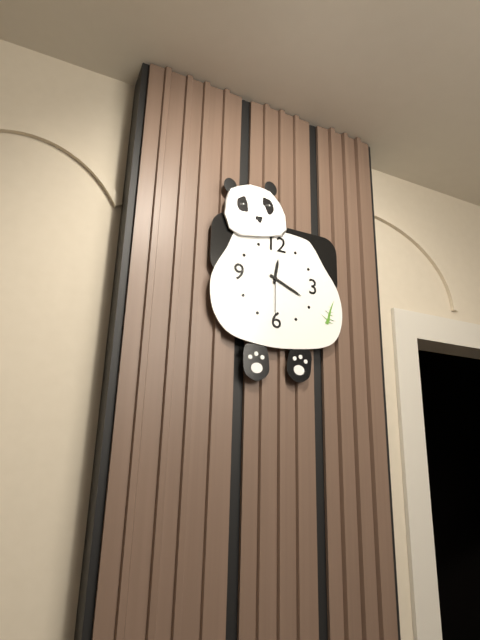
12.19
